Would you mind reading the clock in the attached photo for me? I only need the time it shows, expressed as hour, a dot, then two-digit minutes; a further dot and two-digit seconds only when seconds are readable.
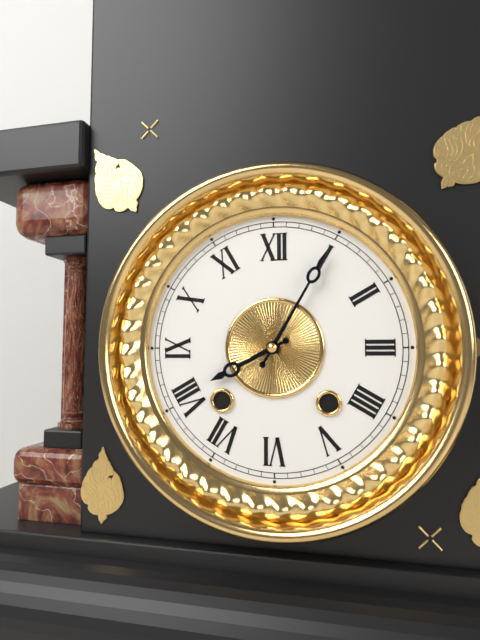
8.05
